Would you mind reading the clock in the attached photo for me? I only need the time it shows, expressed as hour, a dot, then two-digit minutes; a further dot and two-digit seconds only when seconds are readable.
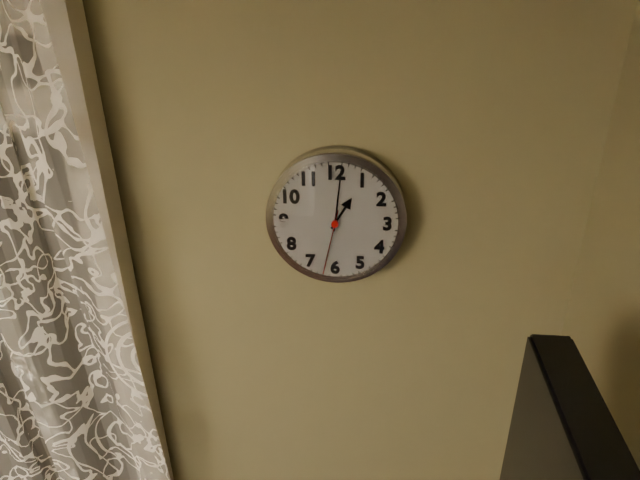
1.01.32
